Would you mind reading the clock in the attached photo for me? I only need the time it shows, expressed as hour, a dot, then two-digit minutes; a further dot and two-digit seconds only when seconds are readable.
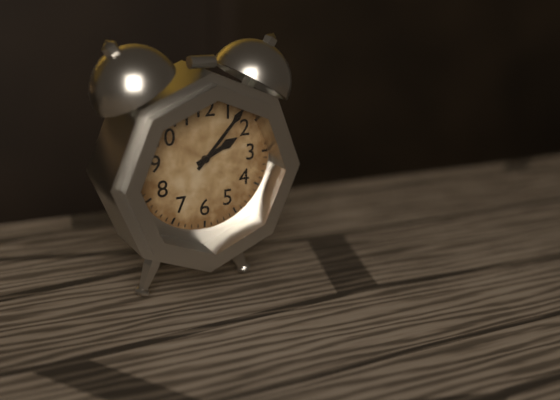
2.07
